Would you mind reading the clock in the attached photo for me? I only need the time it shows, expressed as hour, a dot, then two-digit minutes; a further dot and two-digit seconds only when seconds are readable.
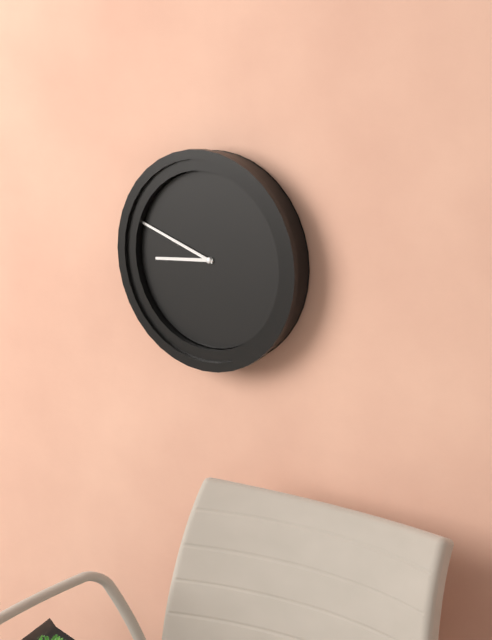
8.48
